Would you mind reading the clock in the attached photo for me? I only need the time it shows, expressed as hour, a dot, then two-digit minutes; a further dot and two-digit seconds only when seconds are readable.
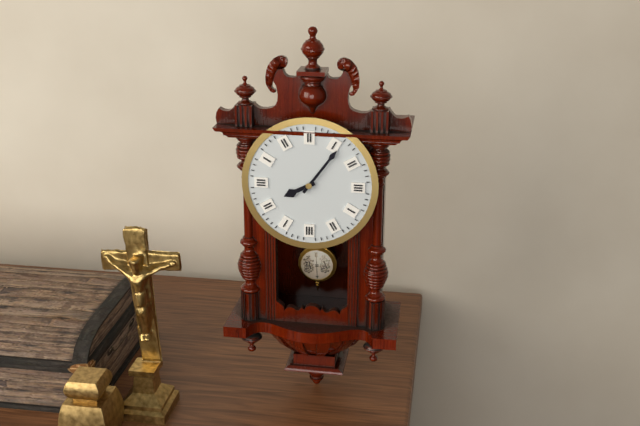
8.06
